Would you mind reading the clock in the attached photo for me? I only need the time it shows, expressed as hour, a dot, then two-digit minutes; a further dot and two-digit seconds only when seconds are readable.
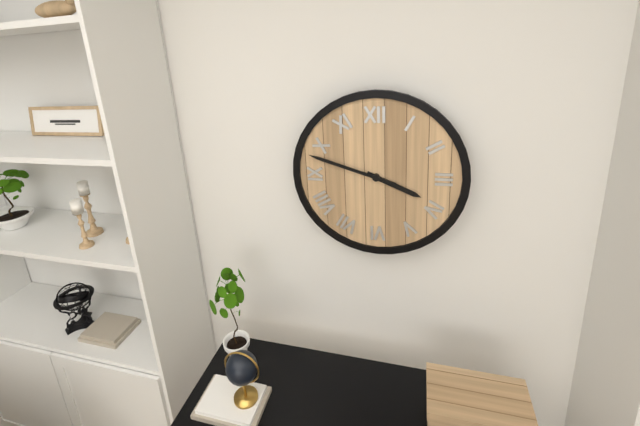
3.48
